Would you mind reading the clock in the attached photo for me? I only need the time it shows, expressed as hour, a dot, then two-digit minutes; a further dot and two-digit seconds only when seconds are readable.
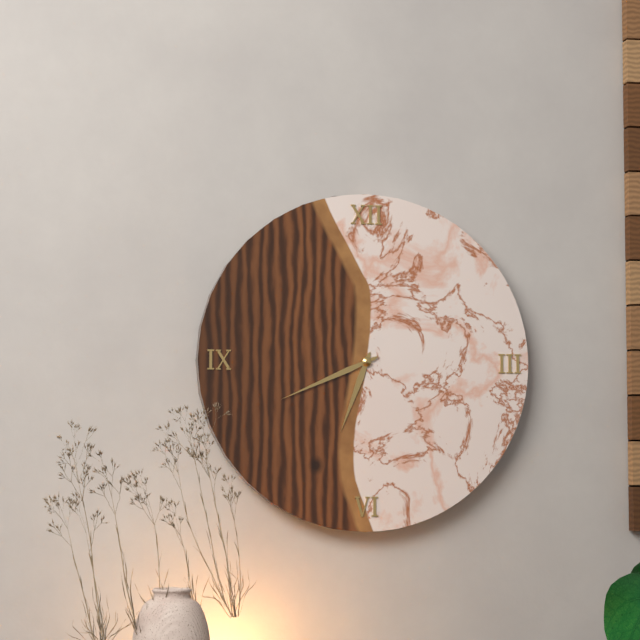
6.41
